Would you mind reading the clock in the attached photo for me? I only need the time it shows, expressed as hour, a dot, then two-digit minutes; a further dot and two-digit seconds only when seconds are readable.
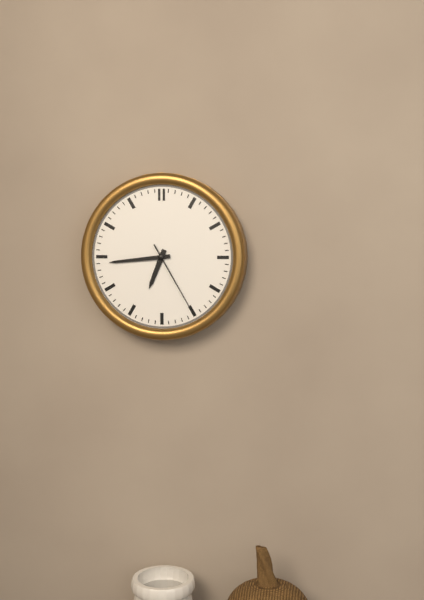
6.44.25
